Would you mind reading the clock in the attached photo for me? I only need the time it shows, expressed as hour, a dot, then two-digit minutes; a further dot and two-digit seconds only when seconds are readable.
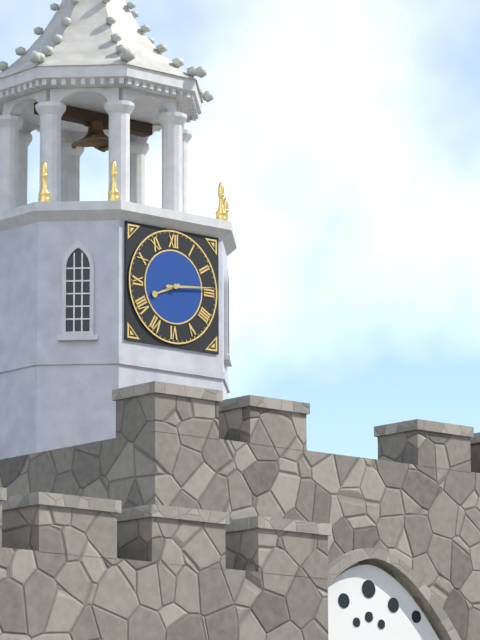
8.14
